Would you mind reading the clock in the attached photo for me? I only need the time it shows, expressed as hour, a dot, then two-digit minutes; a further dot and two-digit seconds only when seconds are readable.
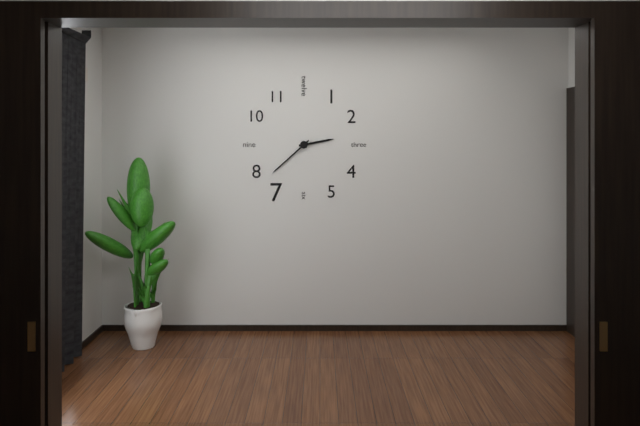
2.38
